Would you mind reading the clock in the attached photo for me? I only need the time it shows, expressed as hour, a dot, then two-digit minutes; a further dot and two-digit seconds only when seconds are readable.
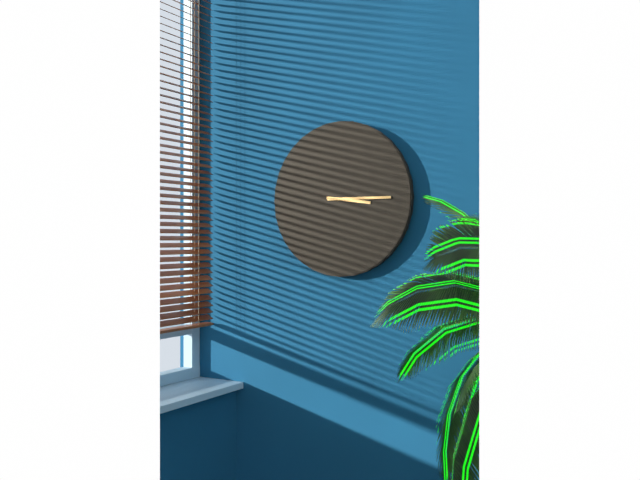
3.15
